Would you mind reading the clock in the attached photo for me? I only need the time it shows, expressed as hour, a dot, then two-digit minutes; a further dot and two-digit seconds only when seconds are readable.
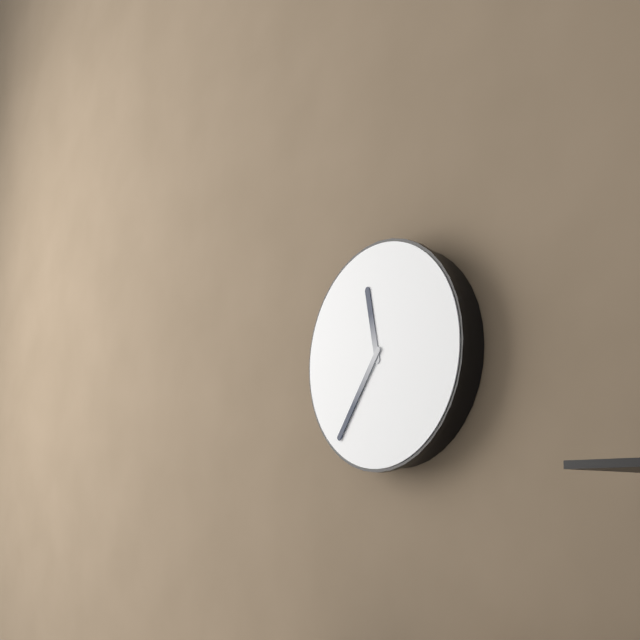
11.36
